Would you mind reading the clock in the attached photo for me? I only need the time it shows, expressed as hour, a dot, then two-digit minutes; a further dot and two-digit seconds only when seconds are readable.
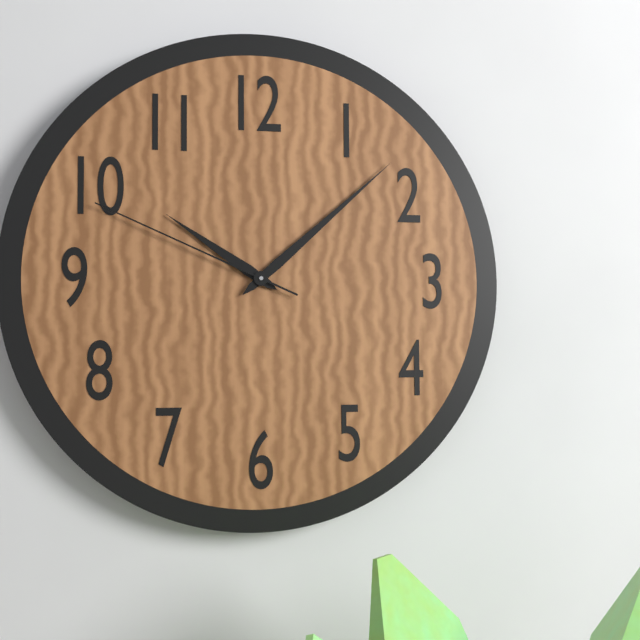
10.08.49
